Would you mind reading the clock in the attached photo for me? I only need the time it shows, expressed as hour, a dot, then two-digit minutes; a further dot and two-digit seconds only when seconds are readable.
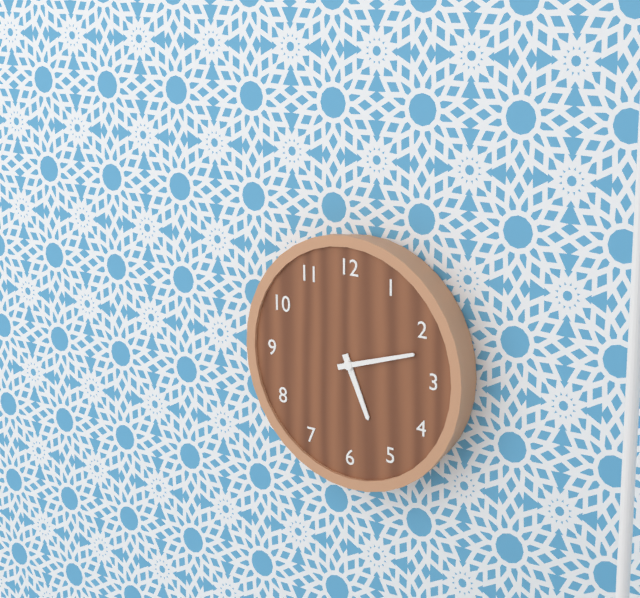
5.12
